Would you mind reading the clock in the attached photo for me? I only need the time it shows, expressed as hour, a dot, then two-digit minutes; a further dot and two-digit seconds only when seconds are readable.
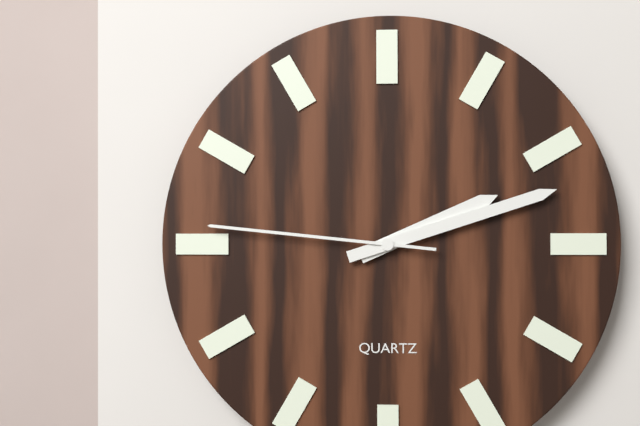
2.12.46
